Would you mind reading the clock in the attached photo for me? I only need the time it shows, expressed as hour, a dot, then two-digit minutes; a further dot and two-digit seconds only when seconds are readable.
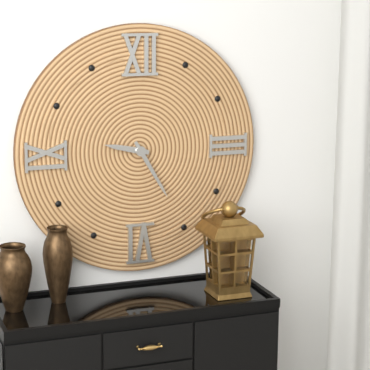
9.25
